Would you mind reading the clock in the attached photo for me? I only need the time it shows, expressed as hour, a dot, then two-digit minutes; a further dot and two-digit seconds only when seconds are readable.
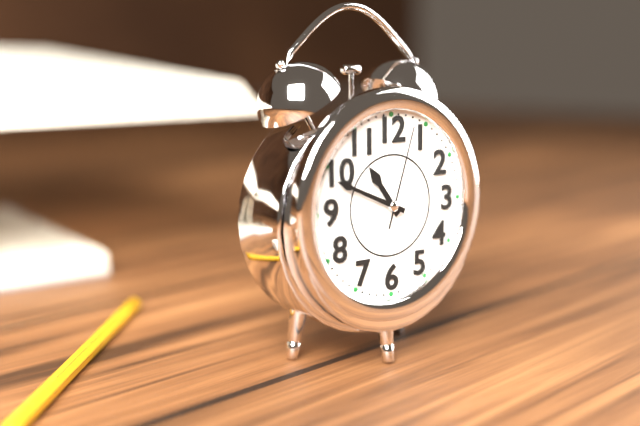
10.49.03
